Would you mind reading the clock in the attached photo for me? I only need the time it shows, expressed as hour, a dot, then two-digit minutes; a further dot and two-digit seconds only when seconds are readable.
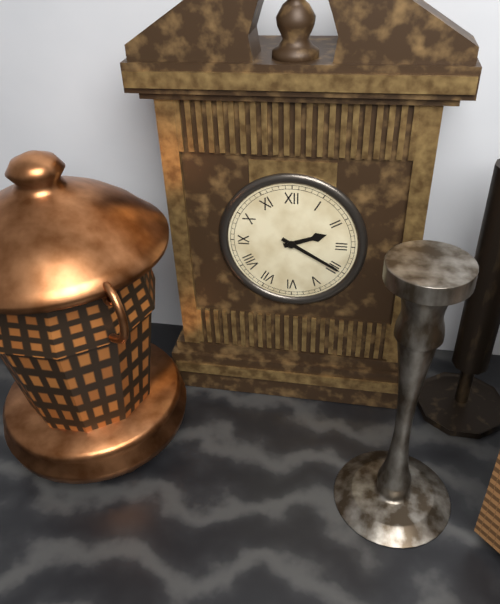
2.20
